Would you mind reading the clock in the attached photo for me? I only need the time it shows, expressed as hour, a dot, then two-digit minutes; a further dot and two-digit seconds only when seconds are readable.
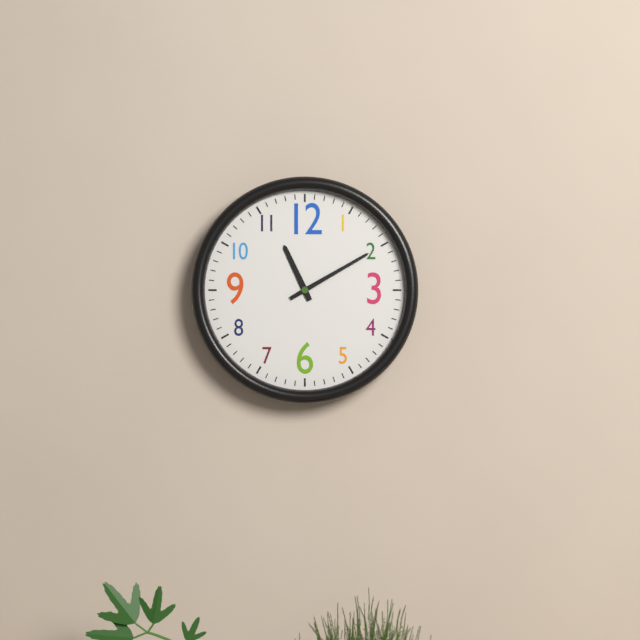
11.10
